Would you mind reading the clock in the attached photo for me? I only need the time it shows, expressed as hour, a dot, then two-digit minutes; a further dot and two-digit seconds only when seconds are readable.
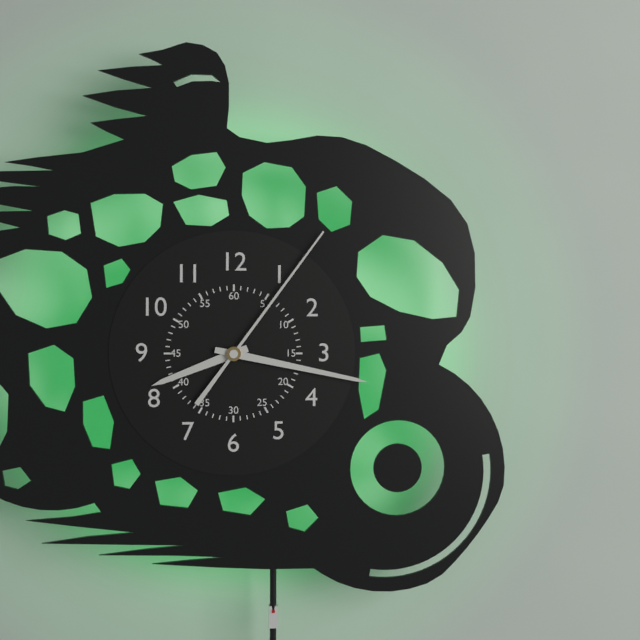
8.17.06
